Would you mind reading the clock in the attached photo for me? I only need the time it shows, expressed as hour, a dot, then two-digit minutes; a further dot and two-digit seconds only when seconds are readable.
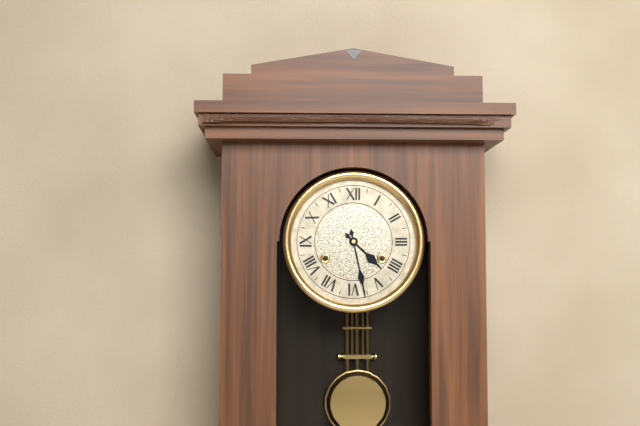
4.28
